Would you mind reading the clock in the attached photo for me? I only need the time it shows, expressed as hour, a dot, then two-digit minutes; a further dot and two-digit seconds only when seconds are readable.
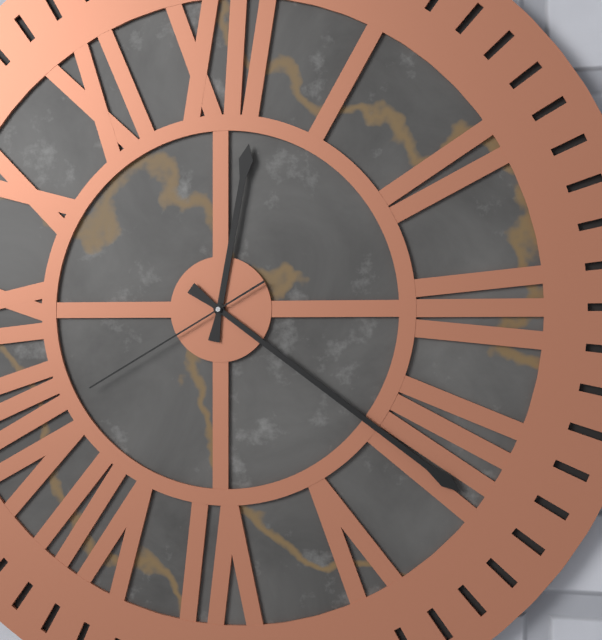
12.21.40
